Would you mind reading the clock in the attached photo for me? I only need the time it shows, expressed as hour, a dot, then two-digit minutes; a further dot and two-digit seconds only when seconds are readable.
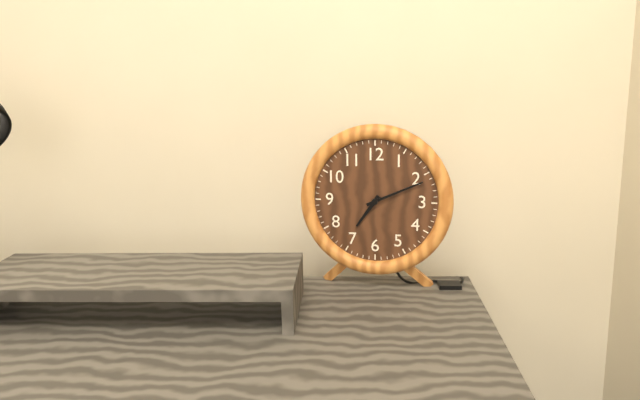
7.11
